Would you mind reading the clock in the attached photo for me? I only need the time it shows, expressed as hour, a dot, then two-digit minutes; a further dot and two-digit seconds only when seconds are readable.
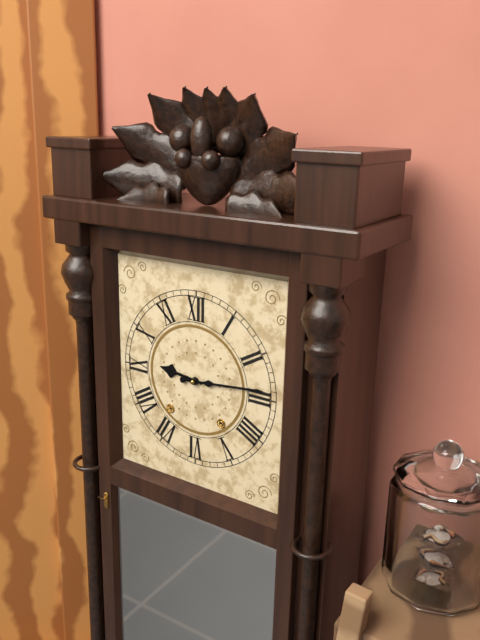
9.14
